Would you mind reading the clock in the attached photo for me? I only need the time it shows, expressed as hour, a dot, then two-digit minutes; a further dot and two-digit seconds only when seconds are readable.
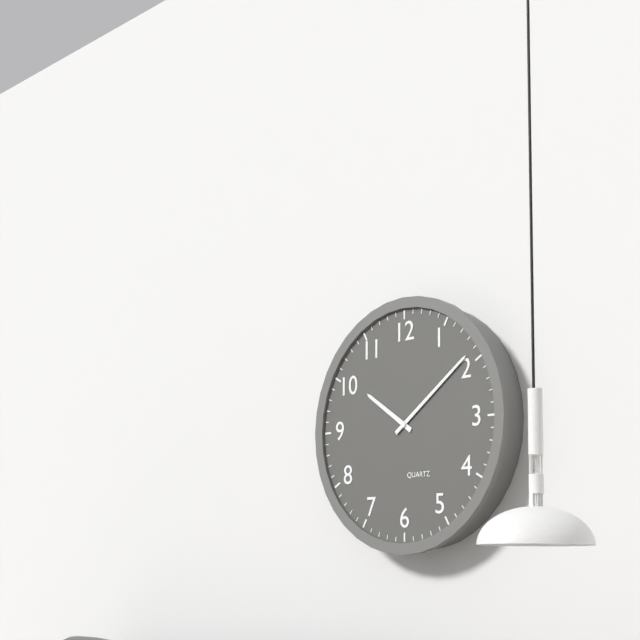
10.09
